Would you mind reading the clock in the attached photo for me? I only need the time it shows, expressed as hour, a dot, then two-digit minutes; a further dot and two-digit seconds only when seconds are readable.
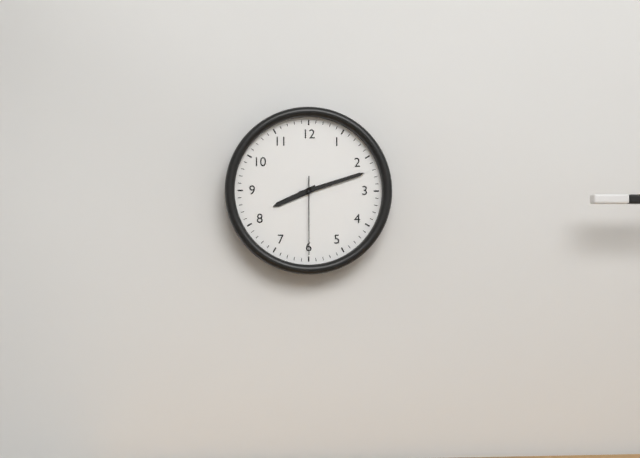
8.12.30
